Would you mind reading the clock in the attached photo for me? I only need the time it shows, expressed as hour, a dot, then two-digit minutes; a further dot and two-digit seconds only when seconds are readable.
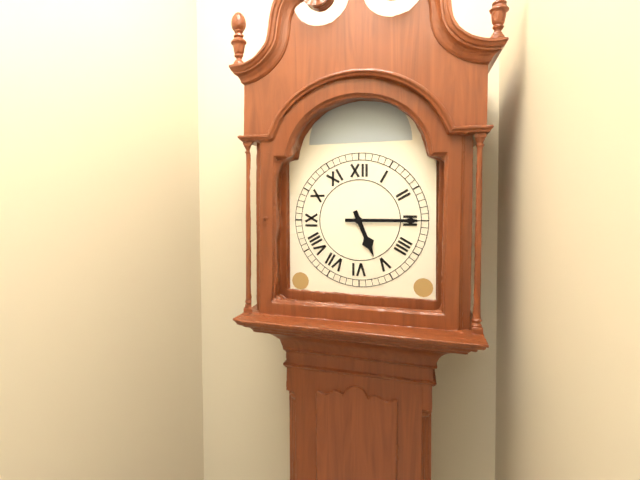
5.15
